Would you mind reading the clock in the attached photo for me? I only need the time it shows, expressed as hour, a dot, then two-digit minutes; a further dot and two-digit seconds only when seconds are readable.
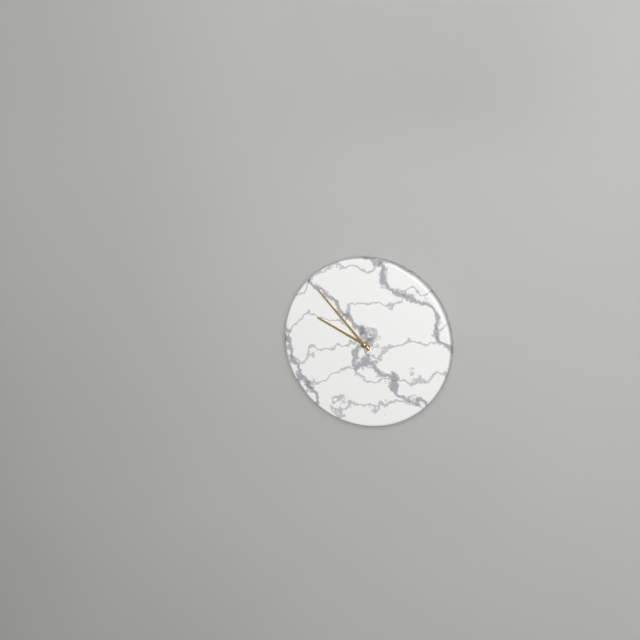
9.53
